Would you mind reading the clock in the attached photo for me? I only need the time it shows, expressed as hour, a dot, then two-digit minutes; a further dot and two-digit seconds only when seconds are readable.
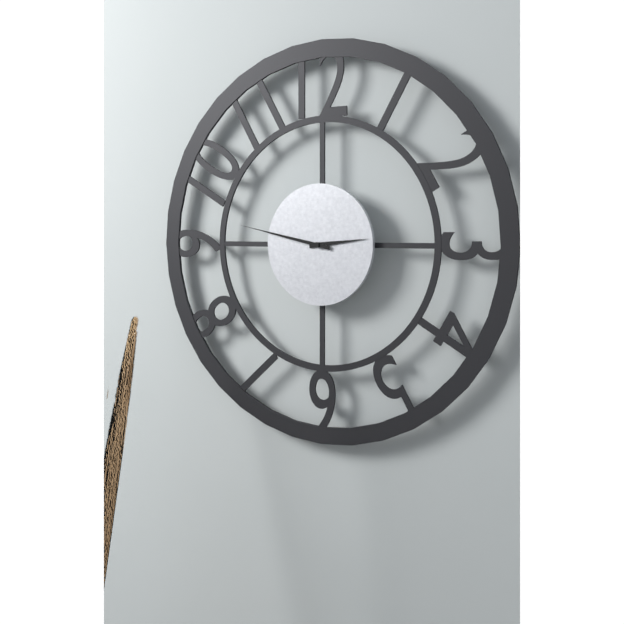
2.47
